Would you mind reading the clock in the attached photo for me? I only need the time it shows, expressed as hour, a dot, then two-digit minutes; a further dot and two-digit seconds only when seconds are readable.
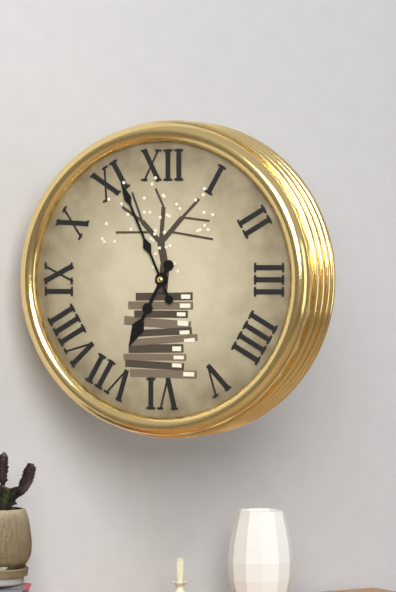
6.56
